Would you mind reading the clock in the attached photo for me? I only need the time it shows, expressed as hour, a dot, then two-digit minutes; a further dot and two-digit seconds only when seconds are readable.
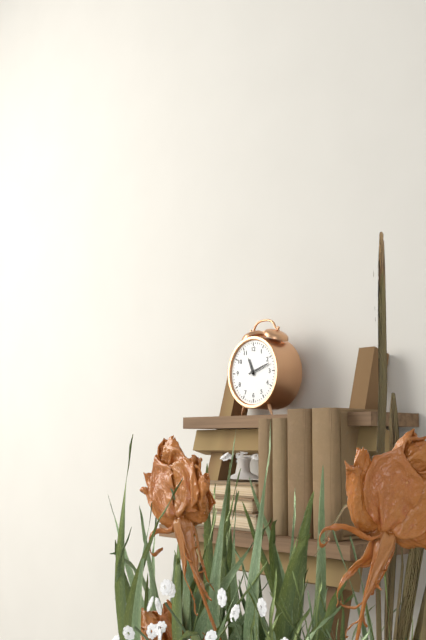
11.12
